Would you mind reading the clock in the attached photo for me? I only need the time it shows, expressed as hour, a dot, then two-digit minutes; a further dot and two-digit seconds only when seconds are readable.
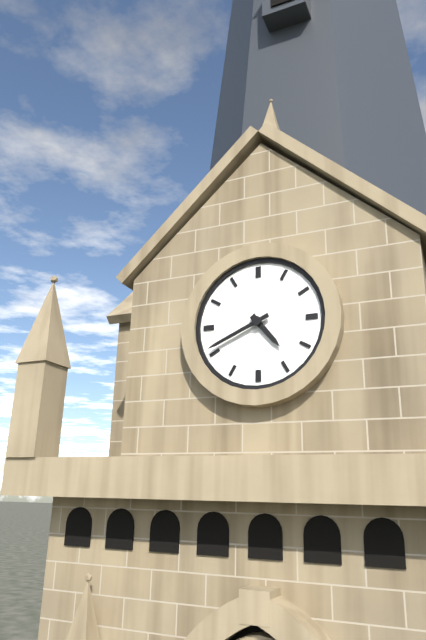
4.41
